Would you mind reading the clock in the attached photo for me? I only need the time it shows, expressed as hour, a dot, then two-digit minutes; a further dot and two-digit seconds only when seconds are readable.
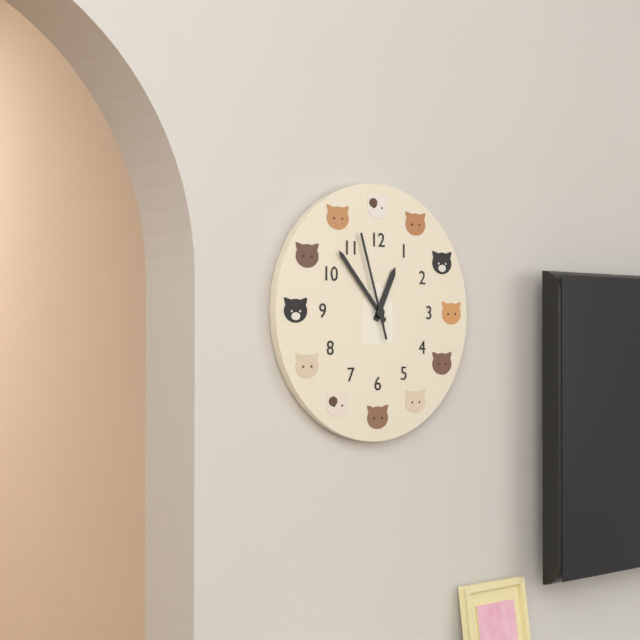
12.53.57
